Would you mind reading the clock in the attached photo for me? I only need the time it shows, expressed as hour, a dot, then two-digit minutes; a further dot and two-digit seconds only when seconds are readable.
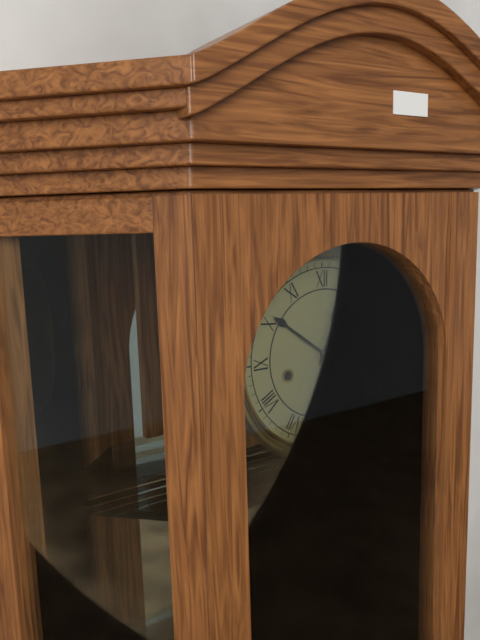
12.51
